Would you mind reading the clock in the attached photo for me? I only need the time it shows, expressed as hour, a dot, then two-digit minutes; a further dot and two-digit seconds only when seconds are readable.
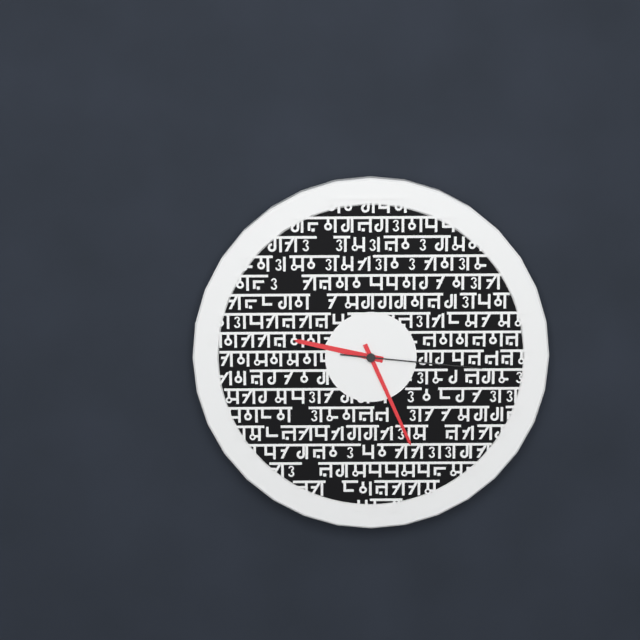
9.26.16
